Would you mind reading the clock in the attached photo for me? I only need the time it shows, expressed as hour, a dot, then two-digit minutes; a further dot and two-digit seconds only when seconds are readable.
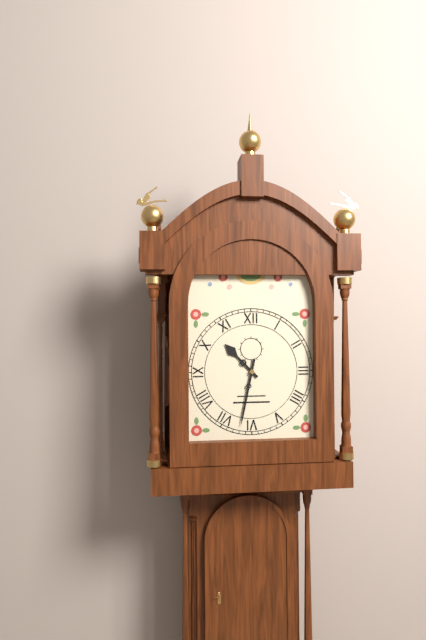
10.32
